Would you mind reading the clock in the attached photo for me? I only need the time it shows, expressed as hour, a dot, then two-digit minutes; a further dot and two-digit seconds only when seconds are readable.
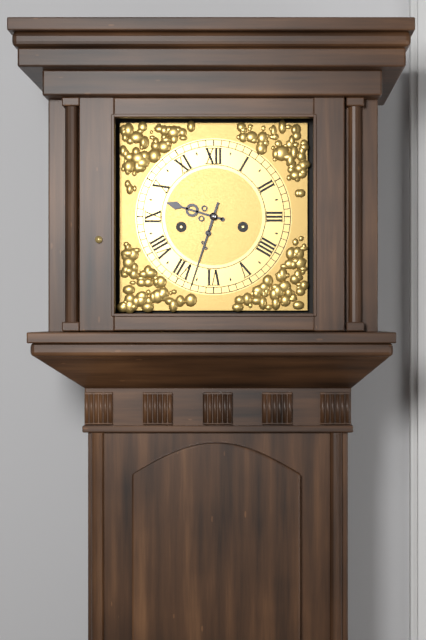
9.33
